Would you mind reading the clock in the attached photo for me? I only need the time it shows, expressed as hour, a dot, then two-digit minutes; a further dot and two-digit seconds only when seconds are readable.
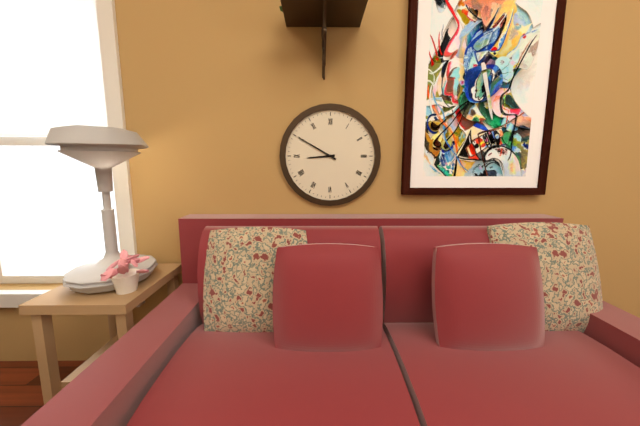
8.50
